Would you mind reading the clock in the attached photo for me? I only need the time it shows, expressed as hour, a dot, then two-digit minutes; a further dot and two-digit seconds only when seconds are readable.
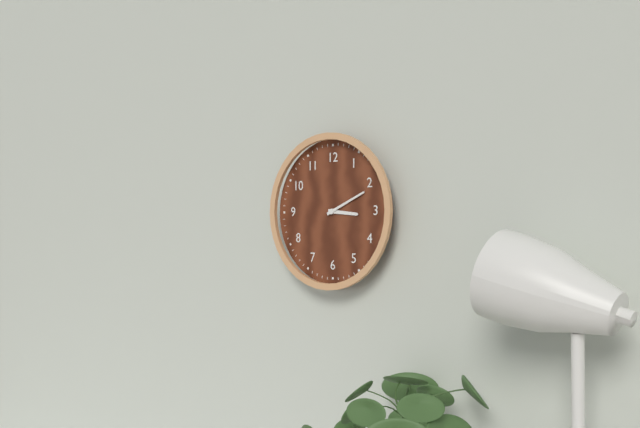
3.11
